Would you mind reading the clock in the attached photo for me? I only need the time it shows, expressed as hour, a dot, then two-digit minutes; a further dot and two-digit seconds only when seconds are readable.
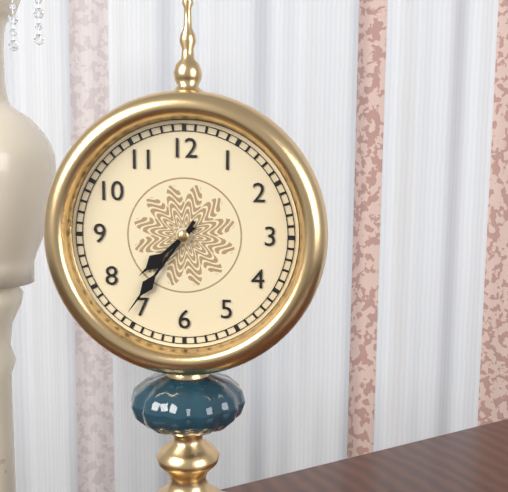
7.36
